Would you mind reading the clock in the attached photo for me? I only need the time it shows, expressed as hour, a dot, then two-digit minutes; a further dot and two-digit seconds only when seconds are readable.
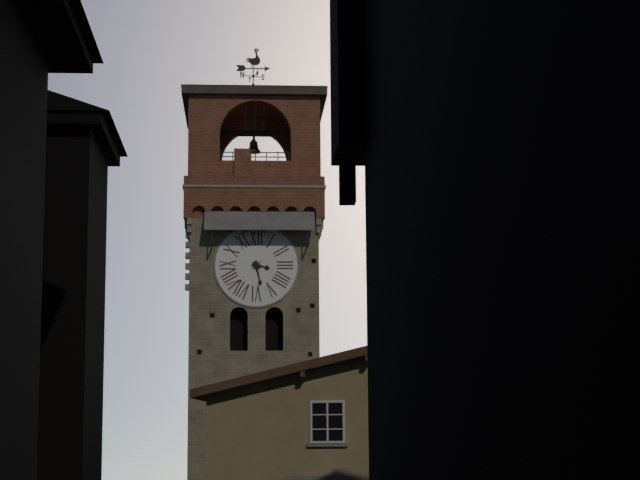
3.28
